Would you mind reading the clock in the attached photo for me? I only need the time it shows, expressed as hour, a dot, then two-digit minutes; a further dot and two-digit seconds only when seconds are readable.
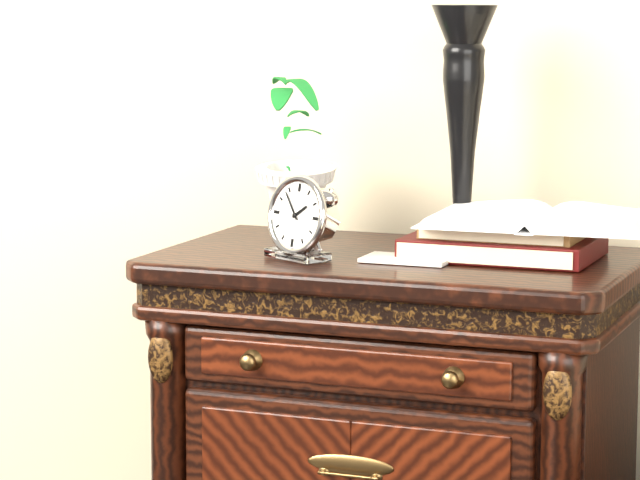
1.53
